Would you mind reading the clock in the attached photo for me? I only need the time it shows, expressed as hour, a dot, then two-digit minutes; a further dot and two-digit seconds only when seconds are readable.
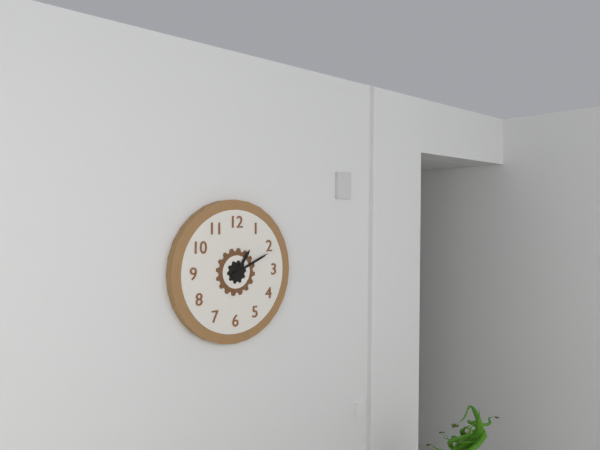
1.11
